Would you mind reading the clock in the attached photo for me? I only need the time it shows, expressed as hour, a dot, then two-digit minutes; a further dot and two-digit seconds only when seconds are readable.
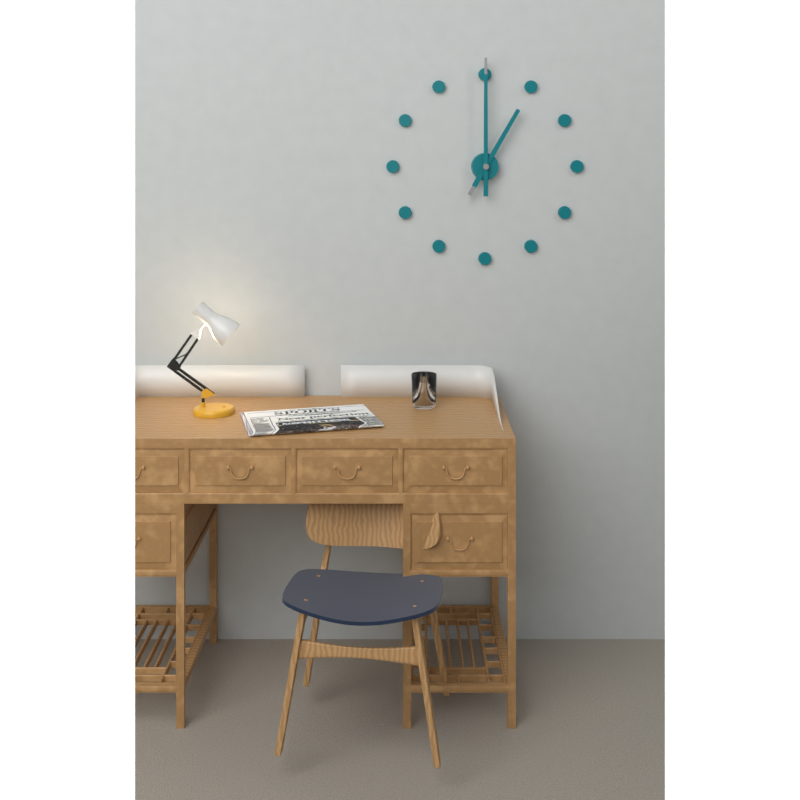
1.00
